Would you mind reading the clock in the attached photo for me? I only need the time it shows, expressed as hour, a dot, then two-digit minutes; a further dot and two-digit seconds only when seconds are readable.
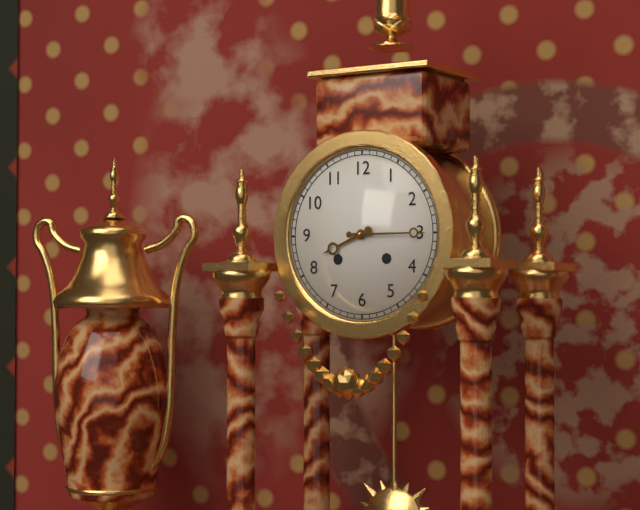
8.15
